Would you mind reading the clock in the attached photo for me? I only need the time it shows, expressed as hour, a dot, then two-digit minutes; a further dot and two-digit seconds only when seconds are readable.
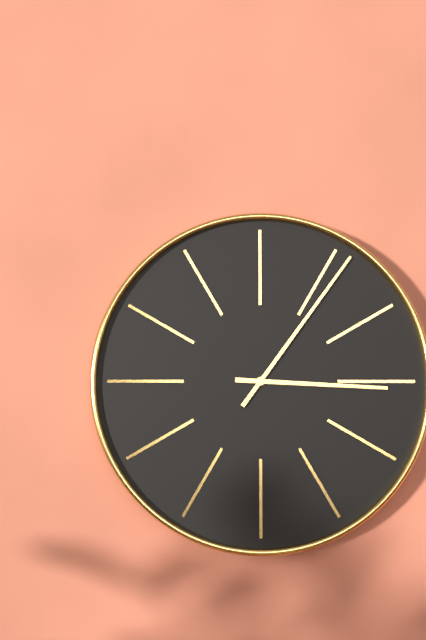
3.06
